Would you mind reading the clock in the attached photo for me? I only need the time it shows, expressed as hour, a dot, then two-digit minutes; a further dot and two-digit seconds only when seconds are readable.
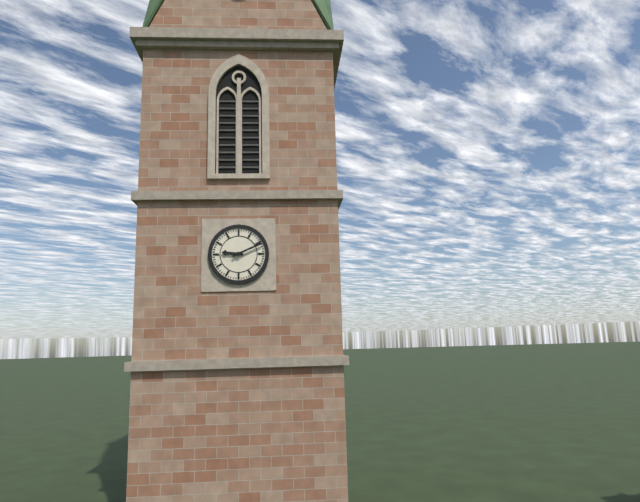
9.11
